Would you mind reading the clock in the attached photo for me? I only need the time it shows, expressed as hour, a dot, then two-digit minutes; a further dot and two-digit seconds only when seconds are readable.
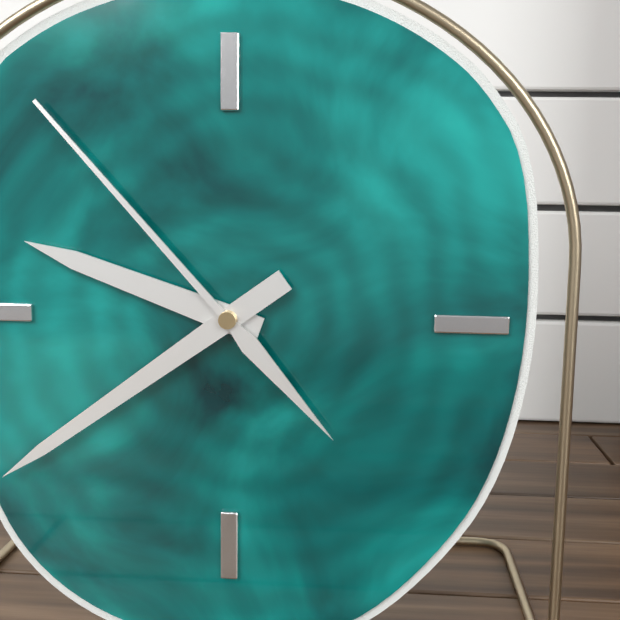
9.39.53
